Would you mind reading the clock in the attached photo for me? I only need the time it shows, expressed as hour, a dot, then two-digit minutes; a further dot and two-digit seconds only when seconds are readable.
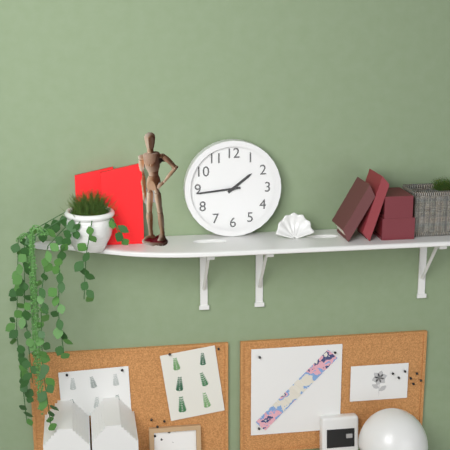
1.44
